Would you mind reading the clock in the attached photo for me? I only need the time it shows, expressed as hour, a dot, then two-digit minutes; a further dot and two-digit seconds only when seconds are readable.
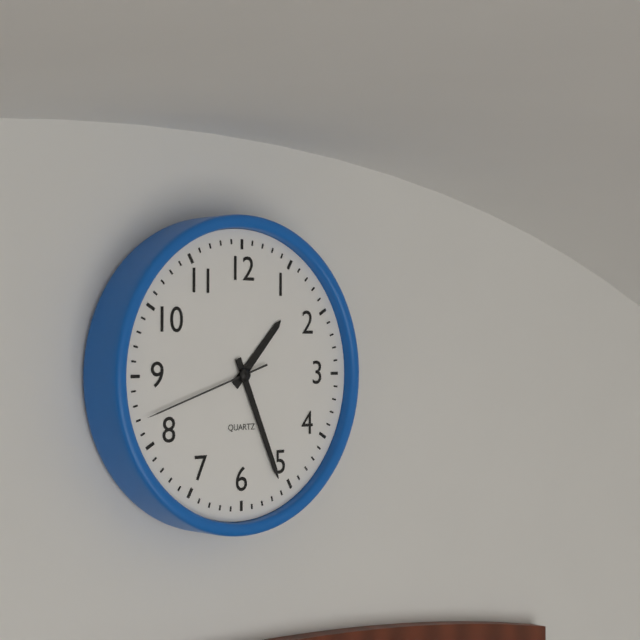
1.26.42
